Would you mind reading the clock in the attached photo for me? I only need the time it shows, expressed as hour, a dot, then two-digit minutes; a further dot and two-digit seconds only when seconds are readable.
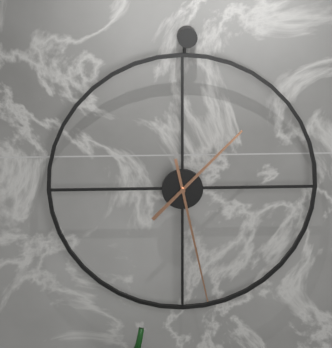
1.28
